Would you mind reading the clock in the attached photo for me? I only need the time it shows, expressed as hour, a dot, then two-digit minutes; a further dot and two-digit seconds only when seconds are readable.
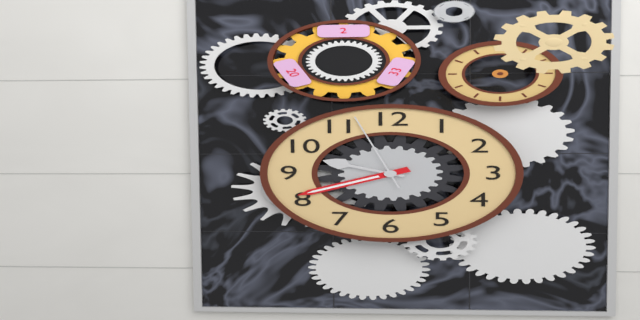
9.41.57
